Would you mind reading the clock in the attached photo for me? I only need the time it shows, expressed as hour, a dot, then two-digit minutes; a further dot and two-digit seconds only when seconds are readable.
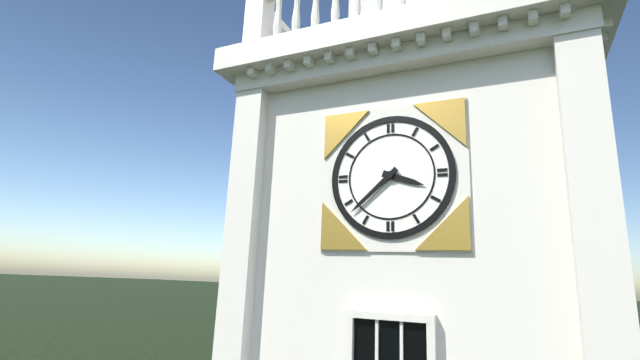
3.38
